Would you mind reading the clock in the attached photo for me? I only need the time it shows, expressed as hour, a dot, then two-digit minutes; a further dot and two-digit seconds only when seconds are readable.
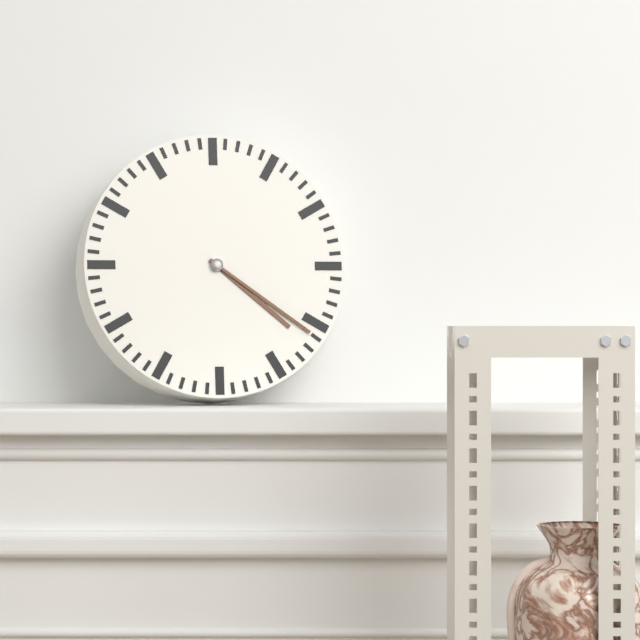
4.21
